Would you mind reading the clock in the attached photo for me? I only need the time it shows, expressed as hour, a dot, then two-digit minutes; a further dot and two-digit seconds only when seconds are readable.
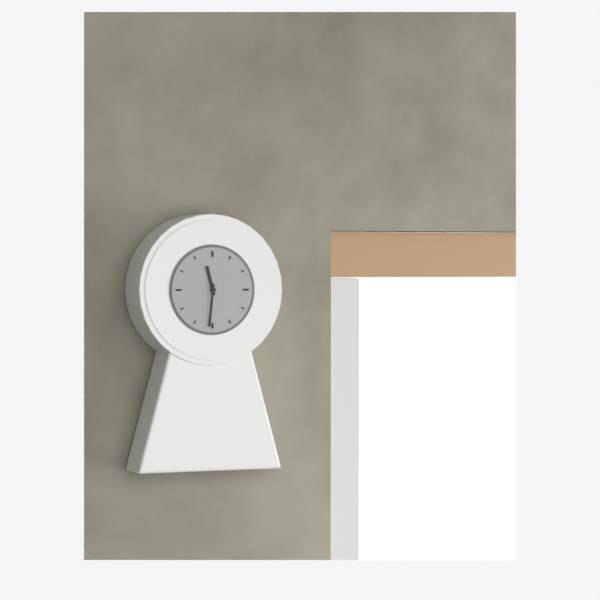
11.31
